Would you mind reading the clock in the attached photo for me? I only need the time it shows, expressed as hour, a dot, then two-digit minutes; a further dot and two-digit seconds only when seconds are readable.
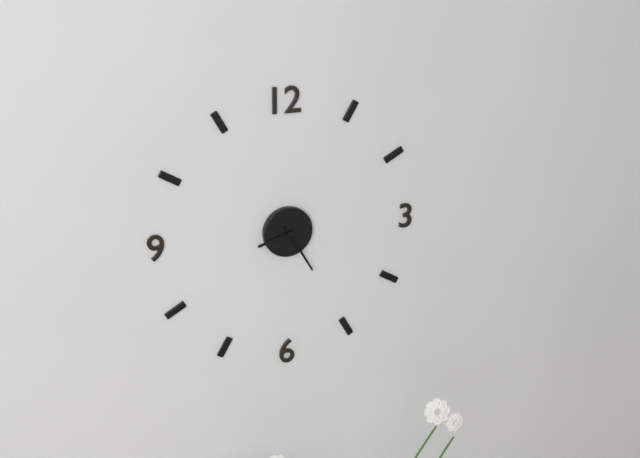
8.25
